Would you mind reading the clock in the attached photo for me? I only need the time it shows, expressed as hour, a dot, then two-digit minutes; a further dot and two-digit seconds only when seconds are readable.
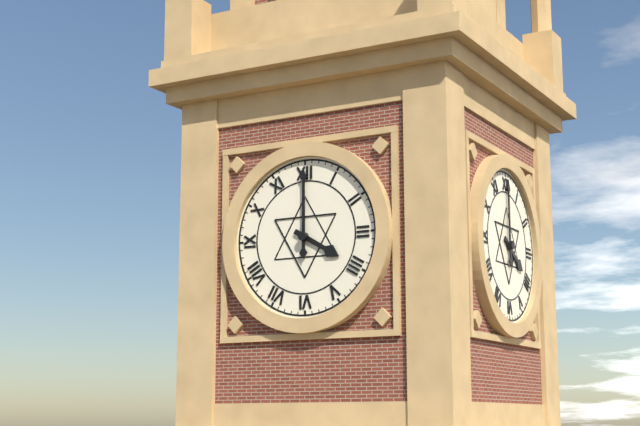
4.00
